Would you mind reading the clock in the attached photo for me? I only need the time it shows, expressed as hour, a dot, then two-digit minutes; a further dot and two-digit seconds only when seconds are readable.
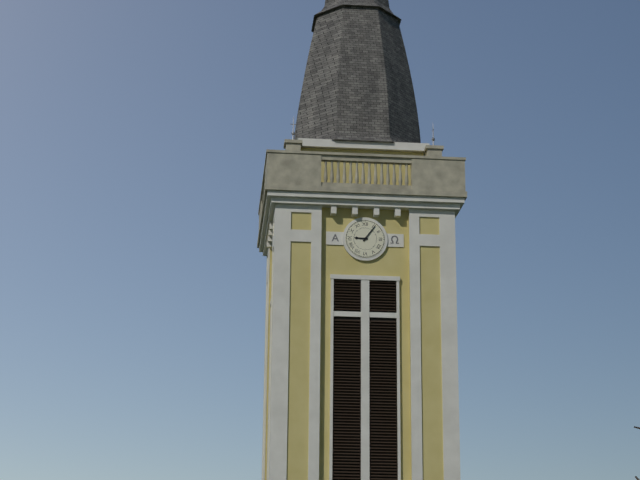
9.06
